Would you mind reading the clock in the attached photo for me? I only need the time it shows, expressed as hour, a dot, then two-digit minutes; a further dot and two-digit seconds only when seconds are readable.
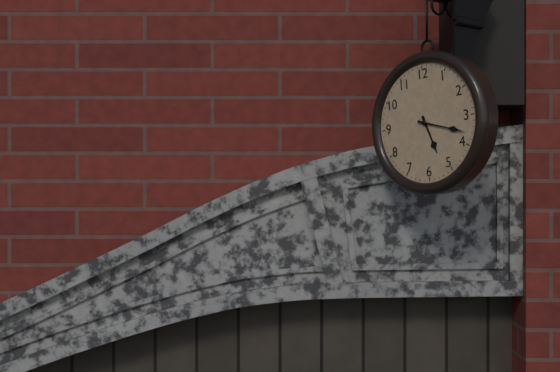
5.18
